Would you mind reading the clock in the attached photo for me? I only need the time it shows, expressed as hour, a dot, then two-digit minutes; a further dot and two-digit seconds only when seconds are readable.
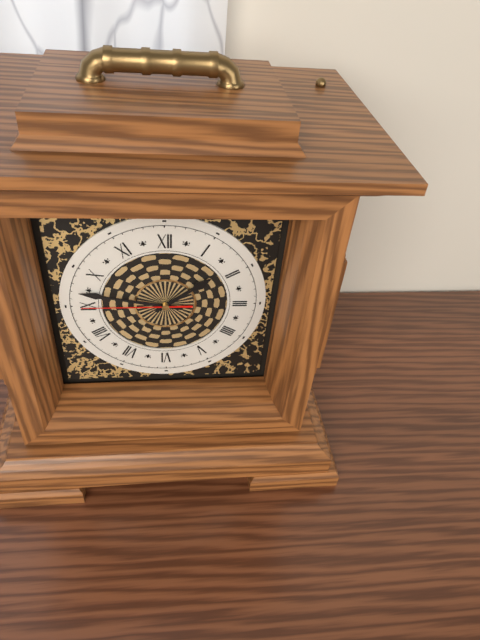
1.47.45
